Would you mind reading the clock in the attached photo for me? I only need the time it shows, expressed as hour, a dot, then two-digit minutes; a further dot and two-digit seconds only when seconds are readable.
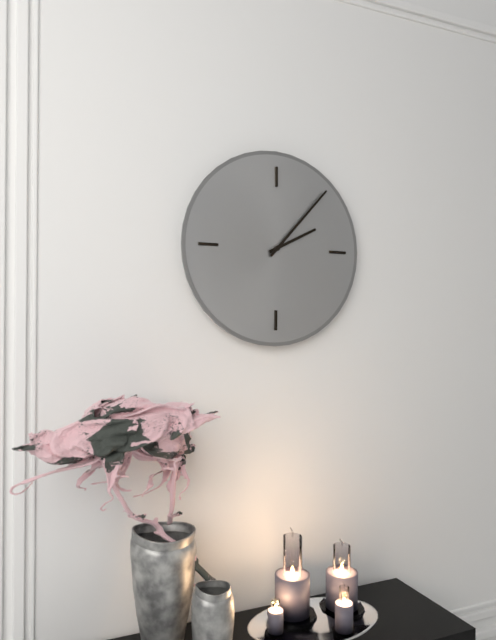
2.07
